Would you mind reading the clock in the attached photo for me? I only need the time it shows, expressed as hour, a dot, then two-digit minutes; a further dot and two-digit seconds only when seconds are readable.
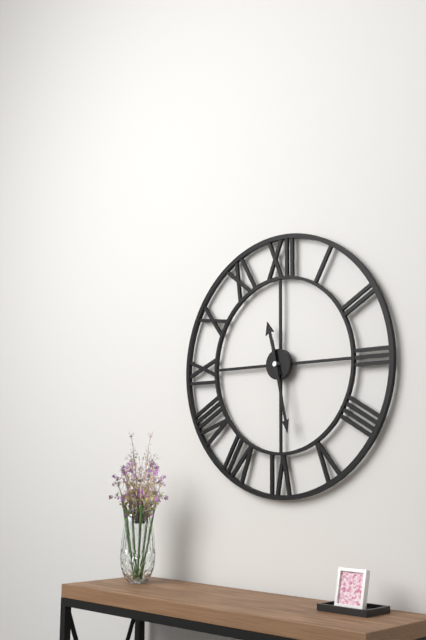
11.28
